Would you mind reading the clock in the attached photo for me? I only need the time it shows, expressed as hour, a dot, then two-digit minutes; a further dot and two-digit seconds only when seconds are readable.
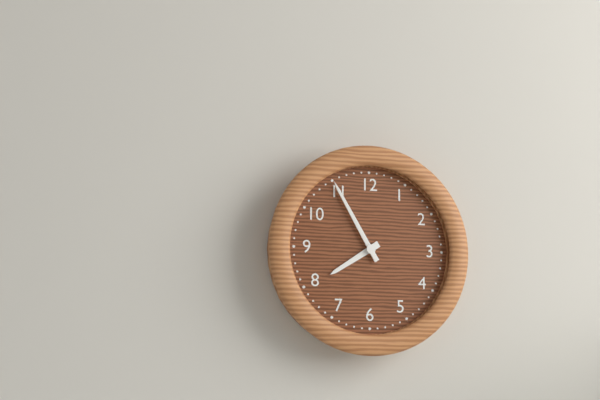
7.55
